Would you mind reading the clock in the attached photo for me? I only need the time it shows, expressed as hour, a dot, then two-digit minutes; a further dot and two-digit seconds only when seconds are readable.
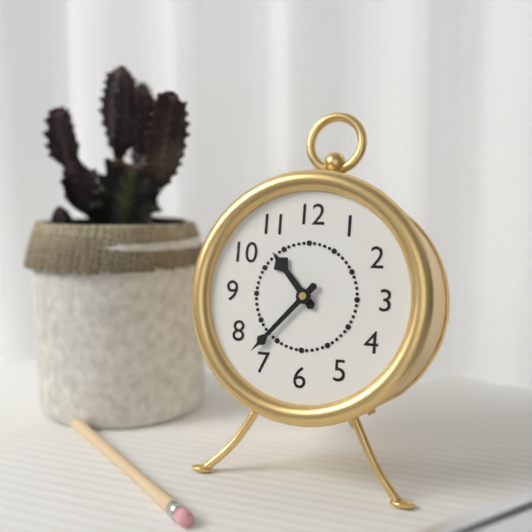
10.37
